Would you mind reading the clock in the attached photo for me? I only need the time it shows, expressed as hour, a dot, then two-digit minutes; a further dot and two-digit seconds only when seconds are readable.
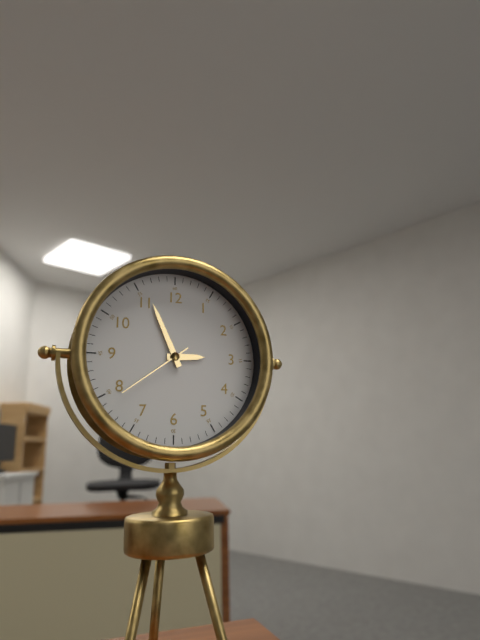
2.56.39
